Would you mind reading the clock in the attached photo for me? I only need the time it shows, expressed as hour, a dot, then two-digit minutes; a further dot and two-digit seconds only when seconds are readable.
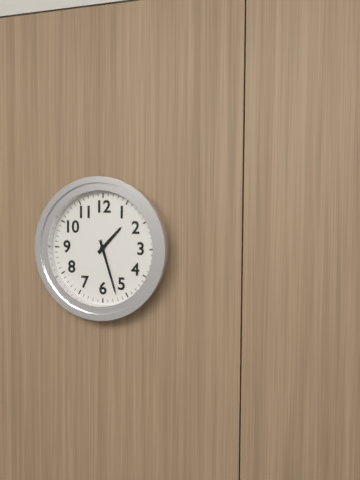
1.27
